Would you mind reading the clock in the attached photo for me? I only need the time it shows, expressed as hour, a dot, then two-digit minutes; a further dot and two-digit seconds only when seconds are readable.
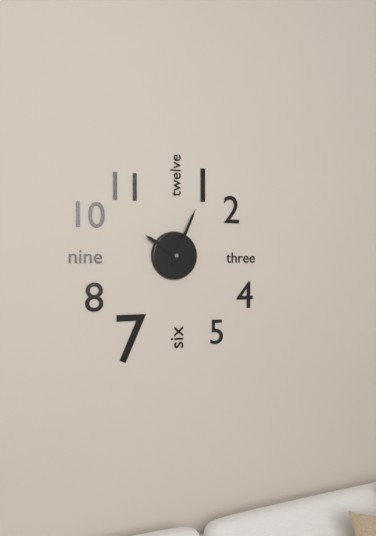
10.04
